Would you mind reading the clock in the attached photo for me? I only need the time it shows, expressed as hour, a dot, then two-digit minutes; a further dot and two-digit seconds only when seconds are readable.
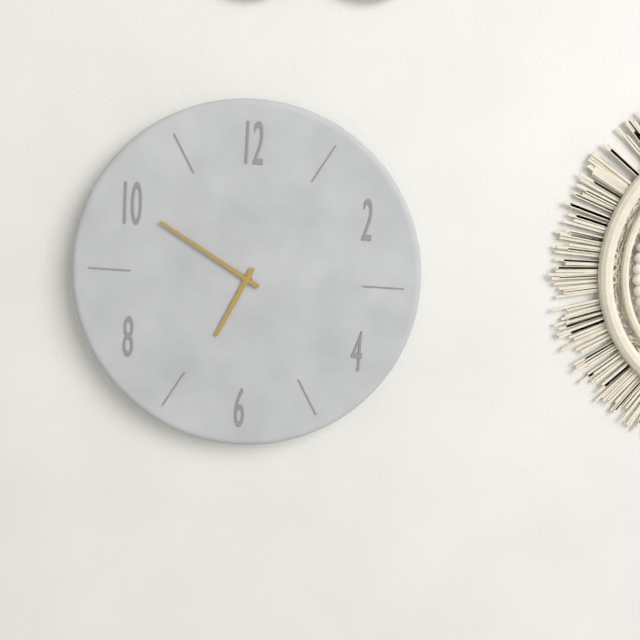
6.50
